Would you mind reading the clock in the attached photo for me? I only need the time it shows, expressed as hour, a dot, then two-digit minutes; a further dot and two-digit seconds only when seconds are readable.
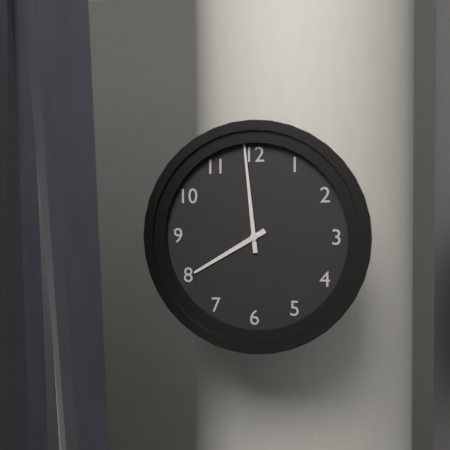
7.59
